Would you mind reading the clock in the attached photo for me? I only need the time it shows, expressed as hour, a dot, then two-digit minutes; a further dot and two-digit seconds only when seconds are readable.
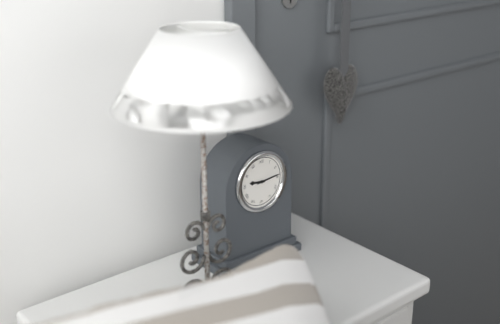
9.14
